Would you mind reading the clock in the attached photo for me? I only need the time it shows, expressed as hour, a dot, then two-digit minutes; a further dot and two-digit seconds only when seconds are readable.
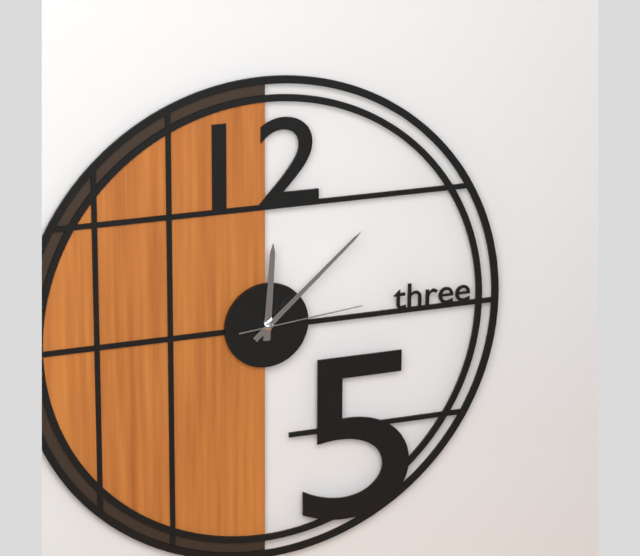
12.08.14
